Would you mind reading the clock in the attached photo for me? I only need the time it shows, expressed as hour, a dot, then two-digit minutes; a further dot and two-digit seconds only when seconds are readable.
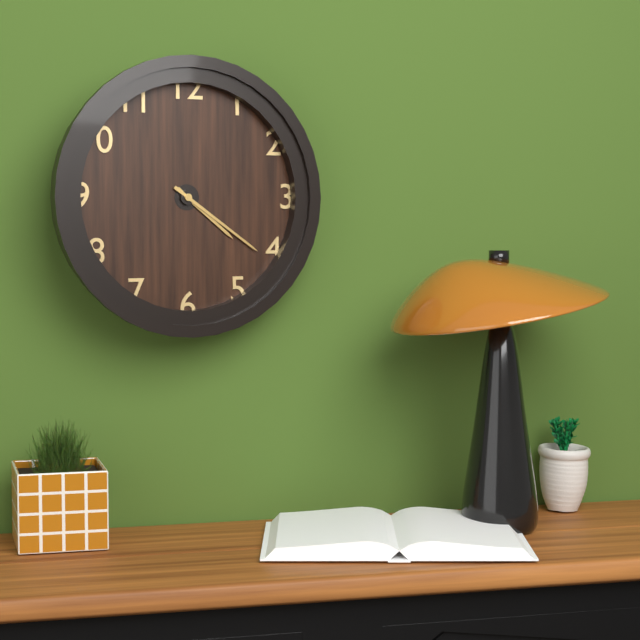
4.21
